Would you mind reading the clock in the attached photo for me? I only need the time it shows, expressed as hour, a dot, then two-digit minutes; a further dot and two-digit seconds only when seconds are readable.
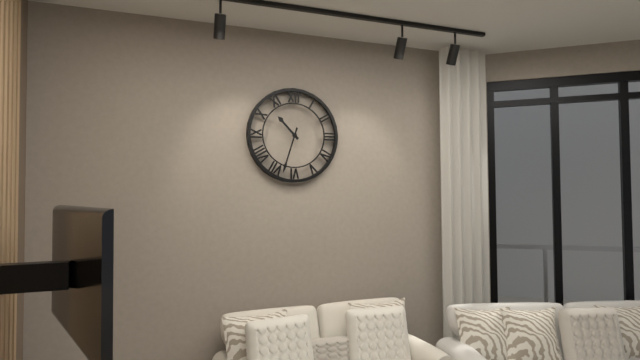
10.33
